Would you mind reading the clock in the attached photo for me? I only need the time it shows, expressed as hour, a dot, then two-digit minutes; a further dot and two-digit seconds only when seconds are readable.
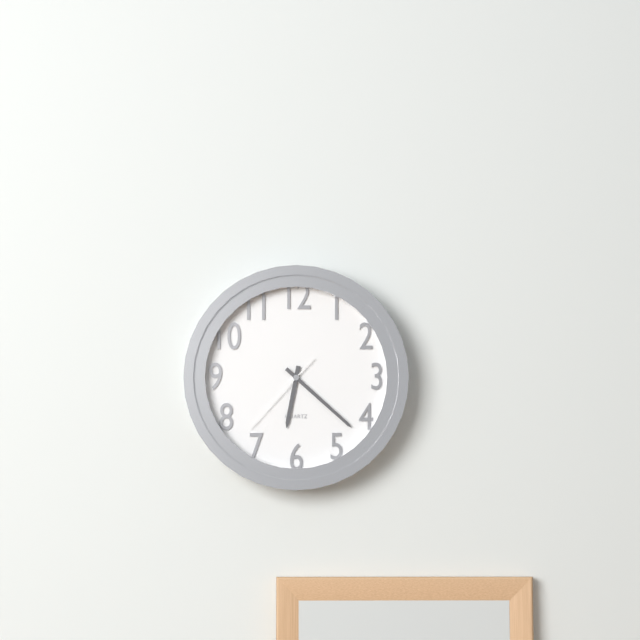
6.22.37
